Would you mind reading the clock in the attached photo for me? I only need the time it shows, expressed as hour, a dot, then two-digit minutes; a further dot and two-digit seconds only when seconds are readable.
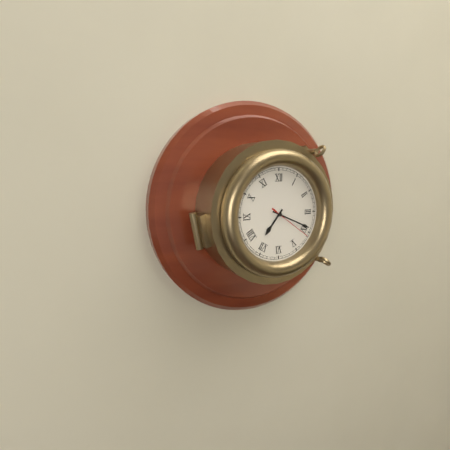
7.19
